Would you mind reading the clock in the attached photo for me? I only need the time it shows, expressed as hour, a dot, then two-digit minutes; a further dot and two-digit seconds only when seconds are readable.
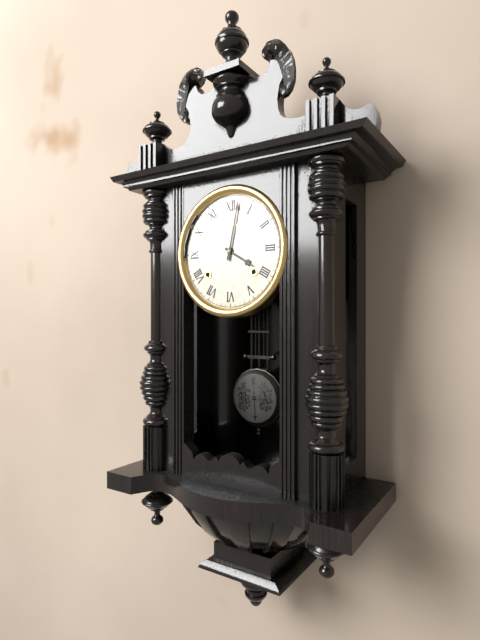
4.02
